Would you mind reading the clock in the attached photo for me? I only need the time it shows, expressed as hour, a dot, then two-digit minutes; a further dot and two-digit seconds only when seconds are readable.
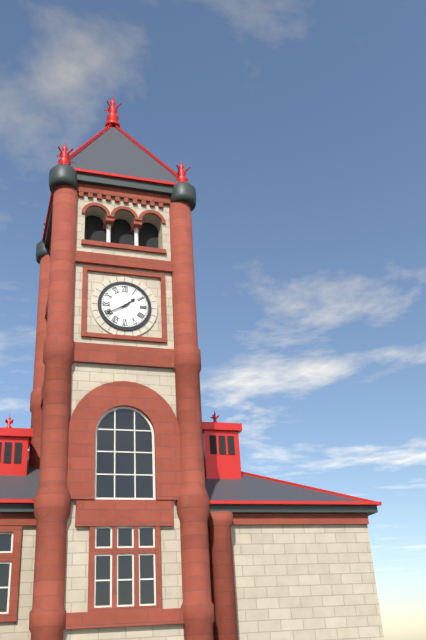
1.40
